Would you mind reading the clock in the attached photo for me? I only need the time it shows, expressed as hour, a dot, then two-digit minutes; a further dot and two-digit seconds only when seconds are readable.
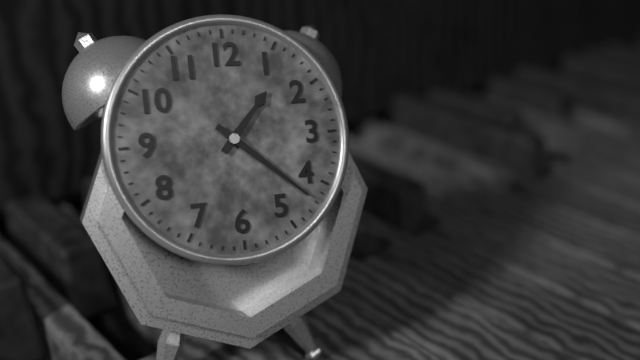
1.22
